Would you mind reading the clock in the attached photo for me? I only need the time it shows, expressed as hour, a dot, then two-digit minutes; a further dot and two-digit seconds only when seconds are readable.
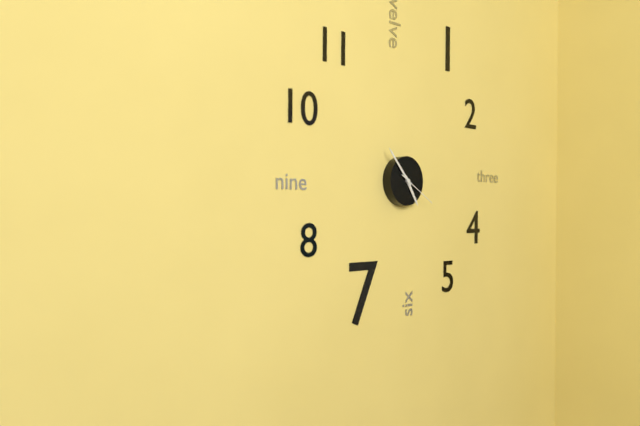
4.53
